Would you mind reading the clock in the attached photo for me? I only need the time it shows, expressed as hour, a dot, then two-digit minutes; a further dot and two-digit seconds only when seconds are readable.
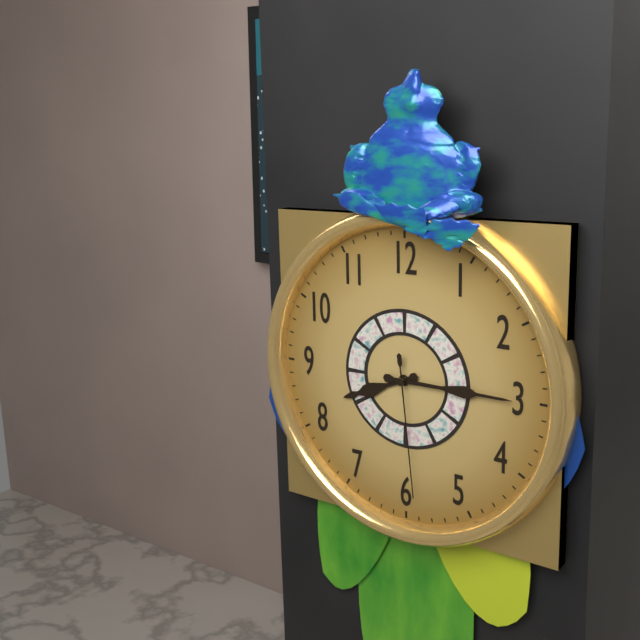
8.15.29
